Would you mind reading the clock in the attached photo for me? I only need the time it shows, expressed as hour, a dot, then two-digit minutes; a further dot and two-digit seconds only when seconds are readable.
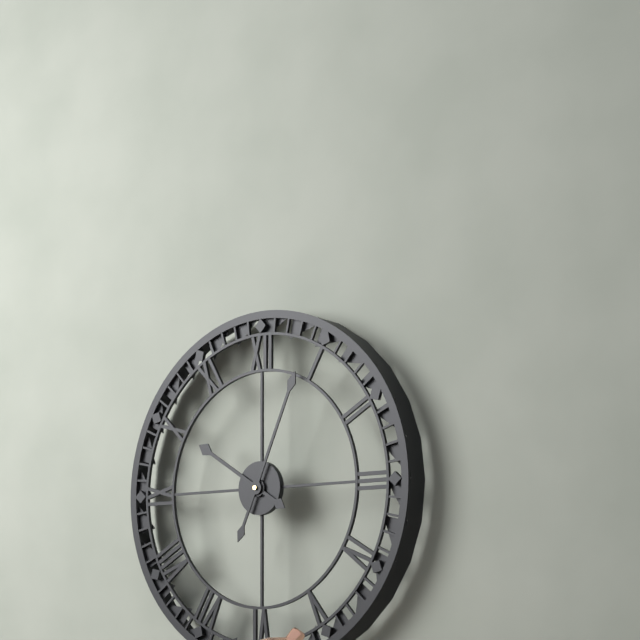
10.04
